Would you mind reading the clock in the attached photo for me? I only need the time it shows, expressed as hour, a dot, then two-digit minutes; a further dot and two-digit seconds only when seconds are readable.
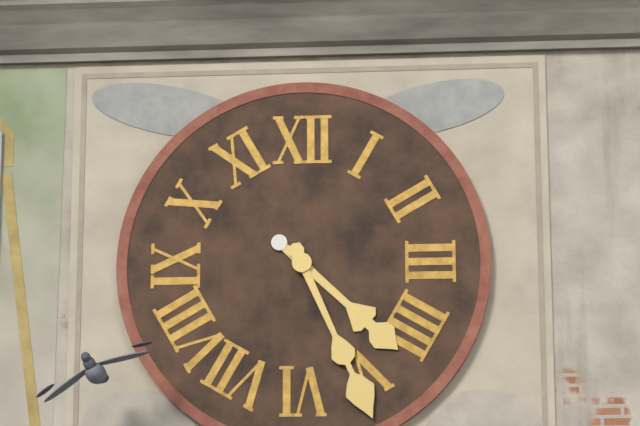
4.26
